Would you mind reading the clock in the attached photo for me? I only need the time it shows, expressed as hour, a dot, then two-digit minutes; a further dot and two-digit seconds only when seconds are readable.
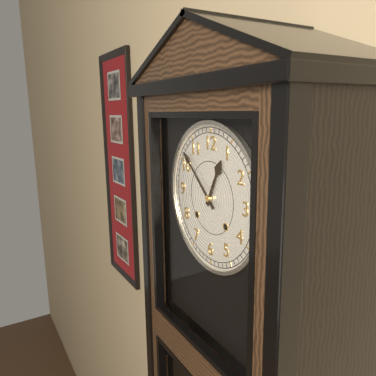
12.52
